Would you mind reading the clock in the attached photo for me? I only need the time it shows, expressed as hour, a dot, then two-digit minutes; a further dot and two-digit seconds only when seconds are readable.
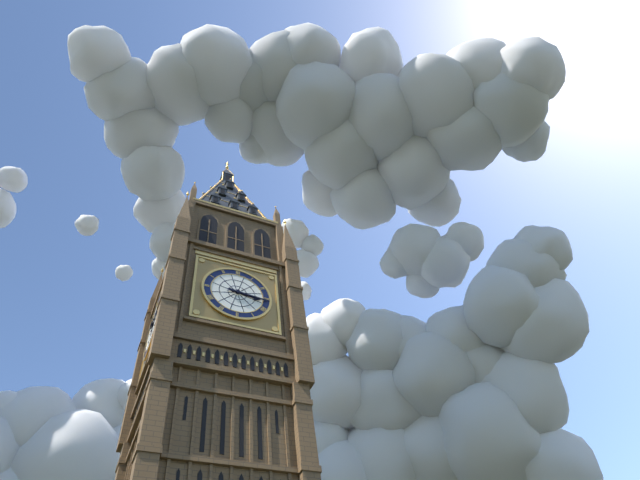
3.16
